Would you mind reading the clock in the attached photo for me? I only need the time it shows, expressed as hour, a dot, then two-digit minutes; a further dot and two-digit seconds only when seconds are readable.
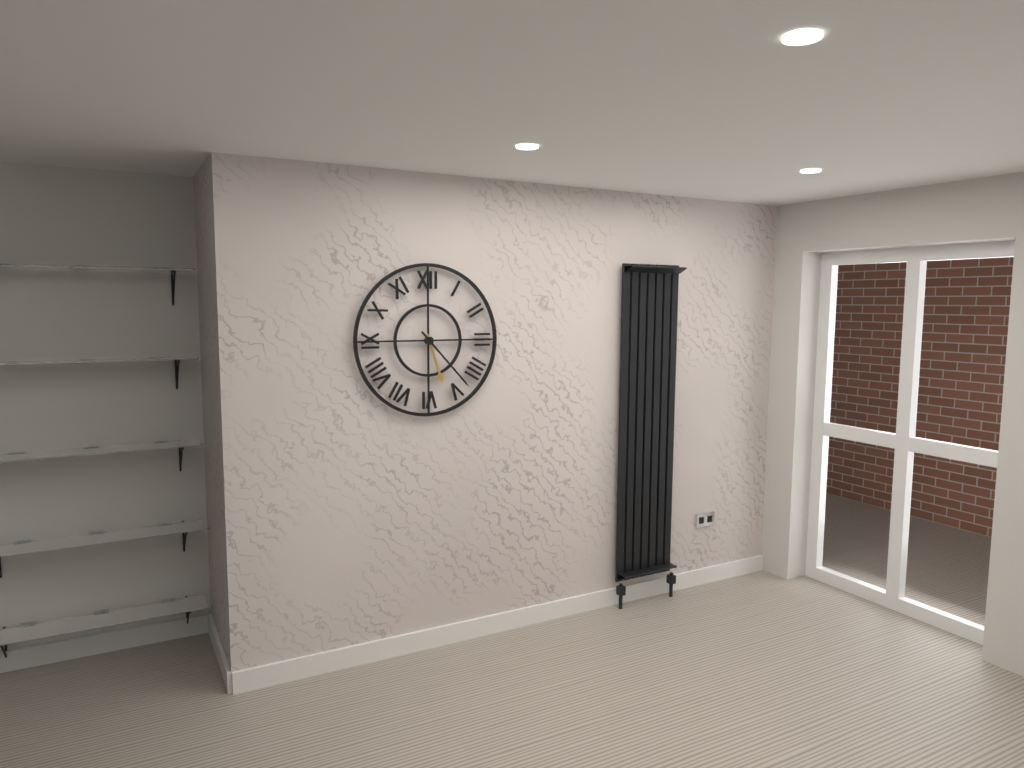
5.23
